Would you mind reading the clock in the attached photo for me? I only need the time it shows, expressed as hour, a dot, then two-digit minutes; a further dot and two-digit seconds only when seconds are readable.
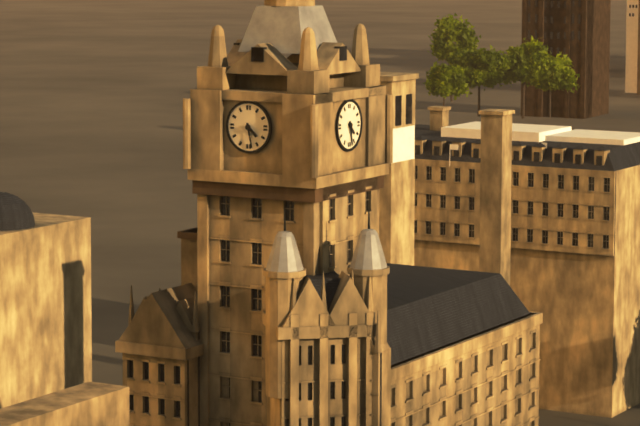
4.28
